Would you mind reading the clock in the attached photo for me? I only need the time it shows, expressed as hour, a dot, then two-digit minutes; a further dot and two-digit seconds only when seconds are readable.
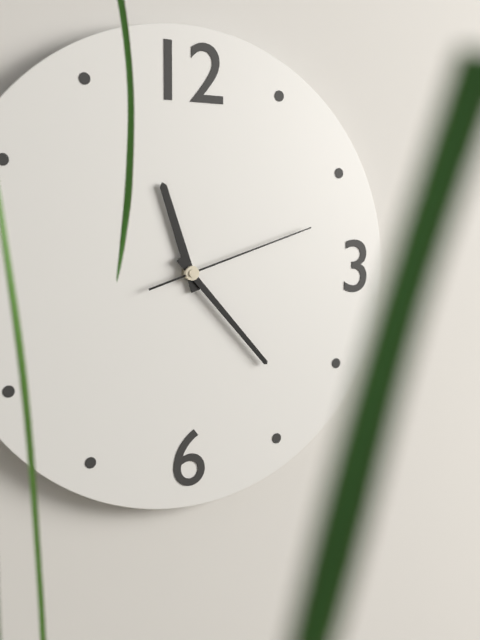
11.23.12
